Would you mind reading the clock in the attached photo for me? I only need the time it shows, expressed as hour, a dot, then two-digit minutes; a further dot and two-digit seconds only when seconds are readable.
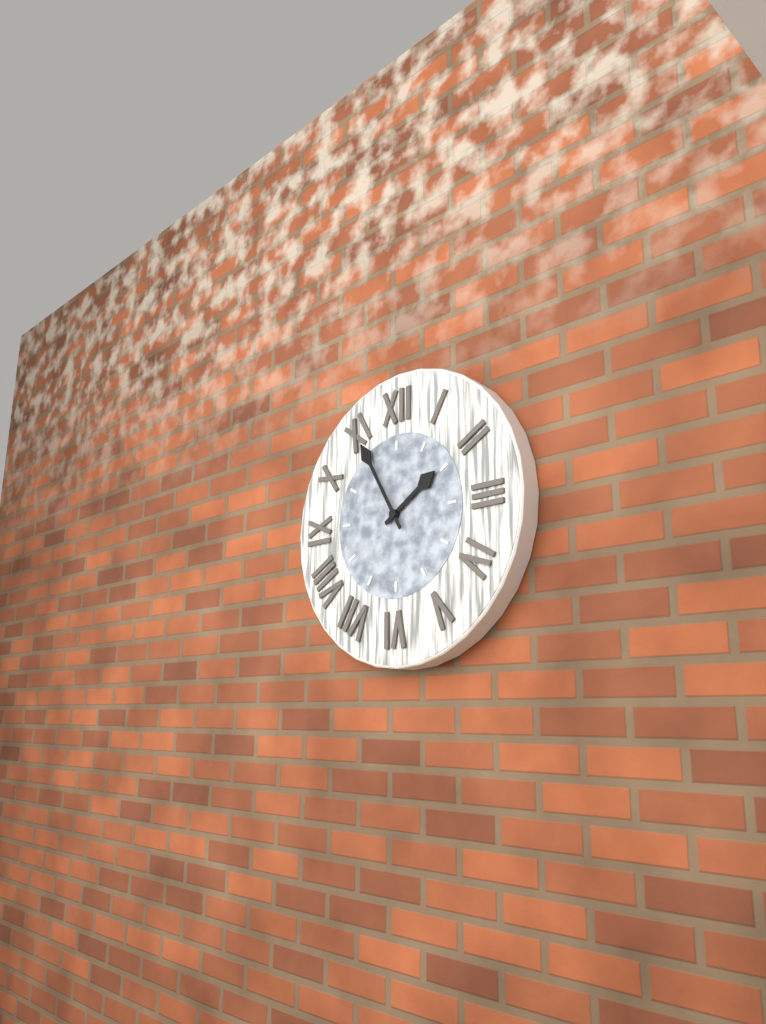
1.55
